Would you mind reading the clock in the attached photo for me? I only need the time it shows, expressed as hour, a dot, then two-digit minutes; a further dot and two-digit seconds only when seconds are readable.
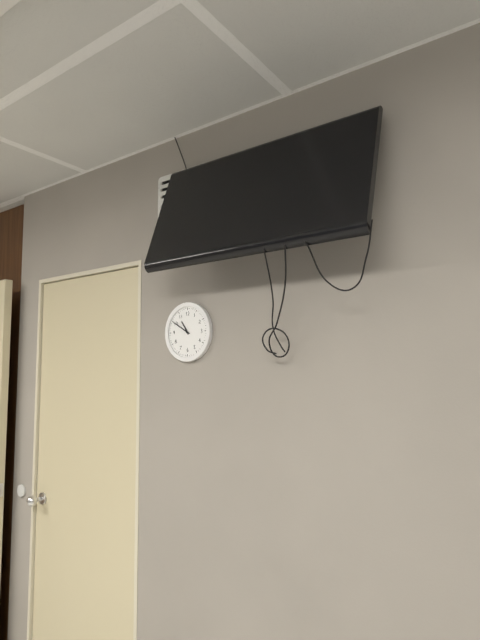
10.50
